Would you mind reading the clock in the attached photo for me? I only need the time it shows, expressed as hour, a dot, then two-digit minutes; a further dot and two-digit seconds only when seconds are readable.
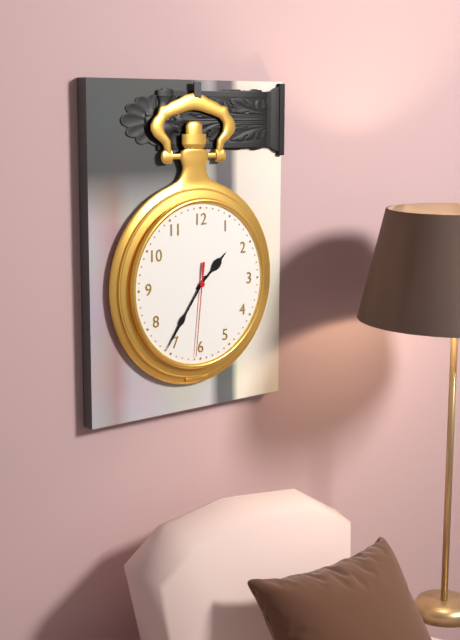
1.36.31
